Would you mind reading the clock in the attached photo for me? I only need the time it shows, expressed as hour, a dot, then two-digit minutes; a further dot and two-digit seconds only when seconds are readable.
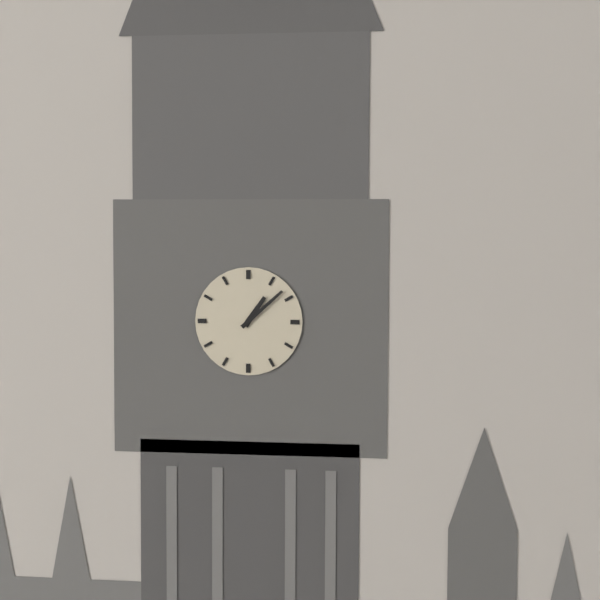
1.08
